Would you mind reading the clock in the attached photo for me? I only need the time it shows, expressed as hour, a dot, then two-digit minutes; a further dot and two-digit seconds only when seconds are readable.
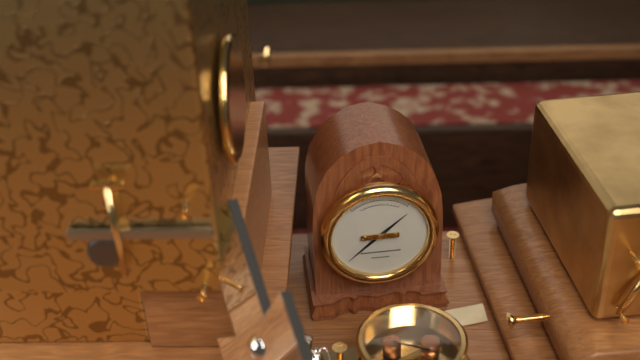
1.38
